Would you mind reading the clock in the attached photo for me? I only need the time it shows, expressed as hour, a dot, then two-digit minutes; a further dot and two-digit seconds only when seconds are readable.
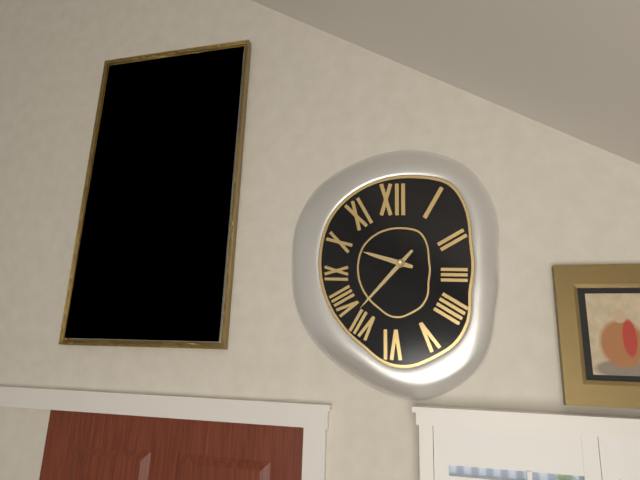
9.37
